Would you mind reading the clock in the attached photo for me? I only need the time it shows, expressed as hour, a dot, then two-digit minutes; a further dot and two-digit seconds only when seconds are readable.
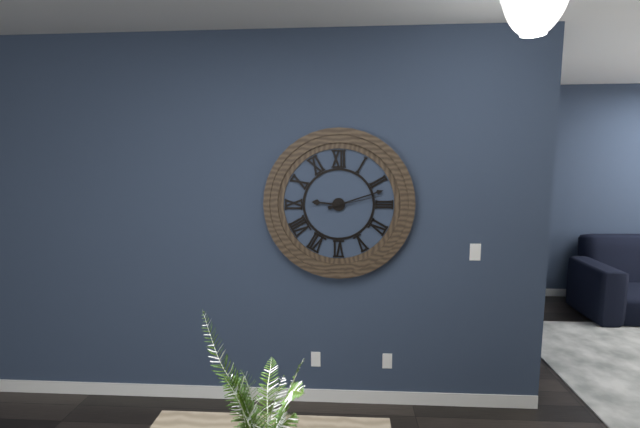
9.12.13
